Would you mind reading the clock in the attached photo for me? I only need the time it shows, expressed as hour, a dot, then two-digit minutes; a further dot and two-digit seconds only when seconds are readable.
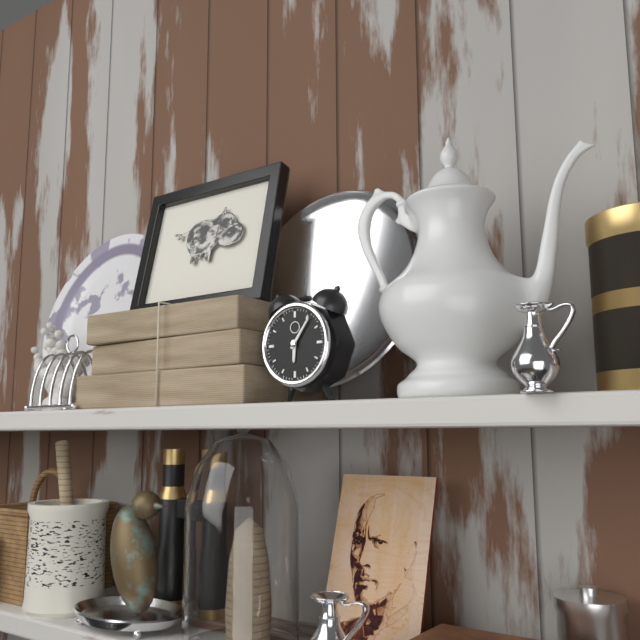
6.06
